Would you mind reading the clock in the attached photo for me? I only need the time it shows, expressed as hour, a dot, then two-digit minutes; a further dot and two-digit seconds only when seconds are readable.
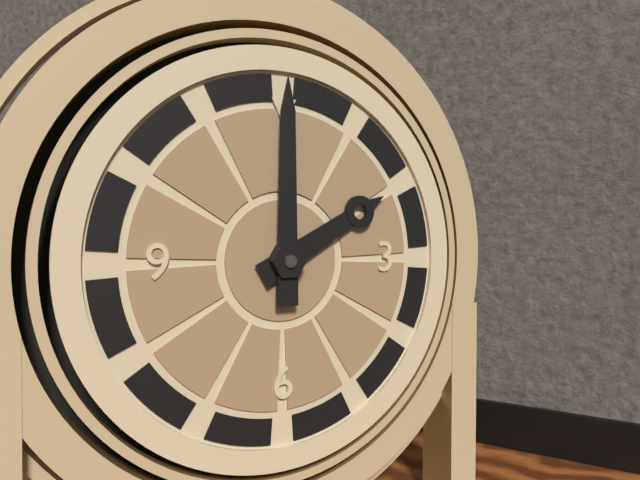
2.00
